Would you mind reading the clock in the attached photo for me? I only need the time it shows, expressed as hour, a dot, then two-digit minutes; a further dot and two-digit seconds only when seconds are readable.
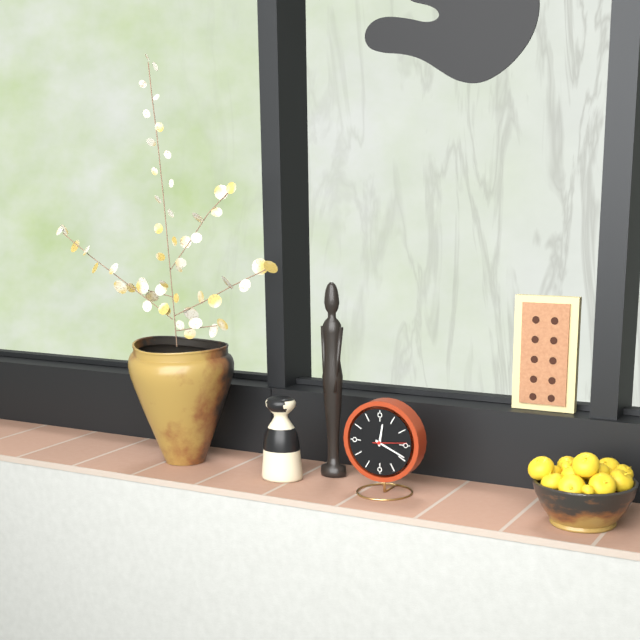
12.19
